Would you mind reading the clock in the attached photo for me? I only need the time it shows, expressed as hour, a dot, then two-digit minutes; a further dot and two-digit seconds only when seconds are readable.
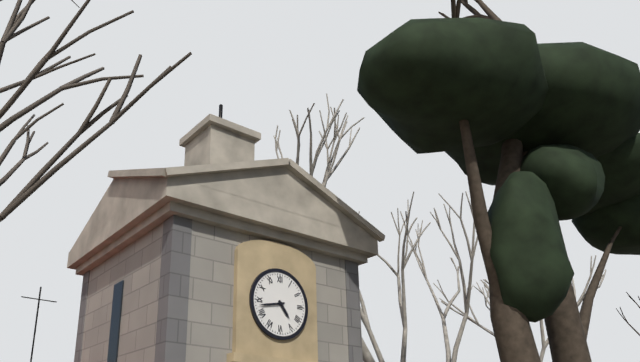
4.43
